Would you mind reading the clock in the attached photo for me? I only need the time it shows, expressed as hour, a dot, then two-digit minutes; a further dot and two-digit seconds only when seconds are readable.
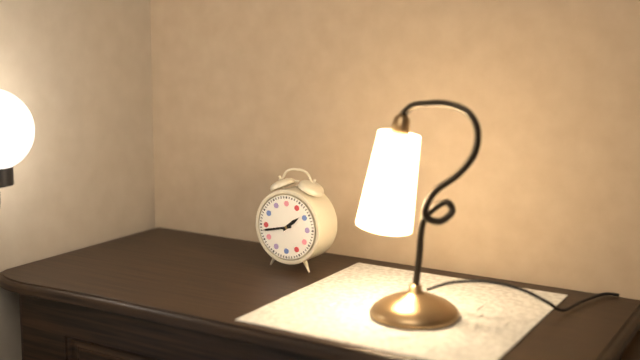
1.43
